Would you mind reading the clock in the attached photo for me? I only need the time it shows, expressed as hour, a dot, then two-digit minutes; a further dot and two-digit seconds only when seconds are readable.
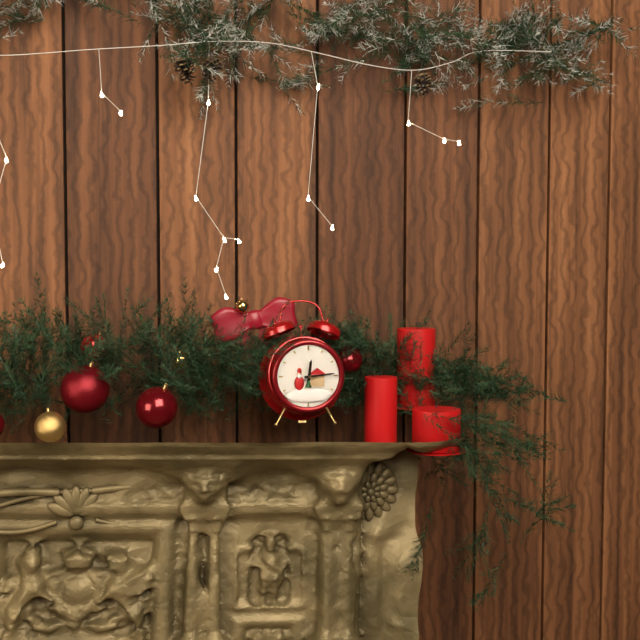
12.14
